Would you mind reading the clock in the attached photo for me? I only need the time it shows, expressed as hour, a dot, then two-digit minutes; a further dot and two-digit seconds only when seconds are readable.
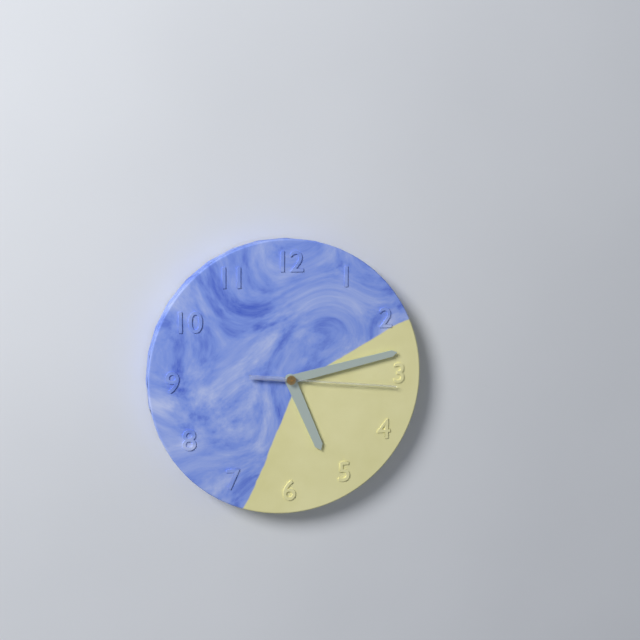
5.13.16
